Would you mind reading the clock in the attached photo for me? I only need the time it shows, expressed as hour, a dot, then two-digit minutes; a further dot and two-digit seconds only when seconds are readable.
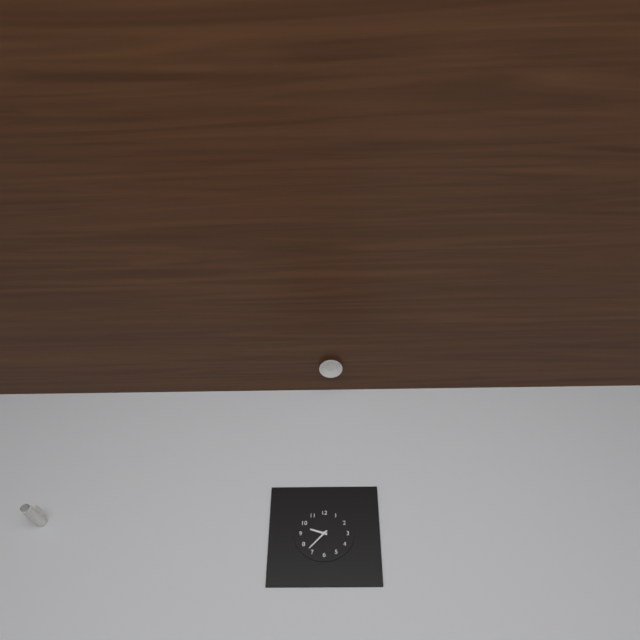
9.37
